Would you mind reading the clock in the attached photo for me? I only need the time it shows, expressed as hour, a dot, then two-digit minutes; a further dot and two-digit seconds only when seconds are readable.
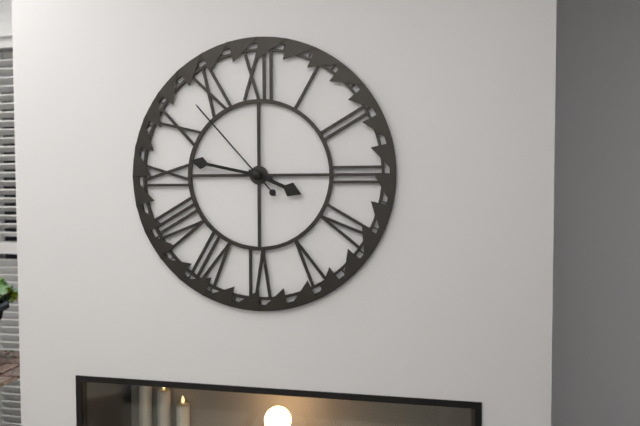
3.47.53
